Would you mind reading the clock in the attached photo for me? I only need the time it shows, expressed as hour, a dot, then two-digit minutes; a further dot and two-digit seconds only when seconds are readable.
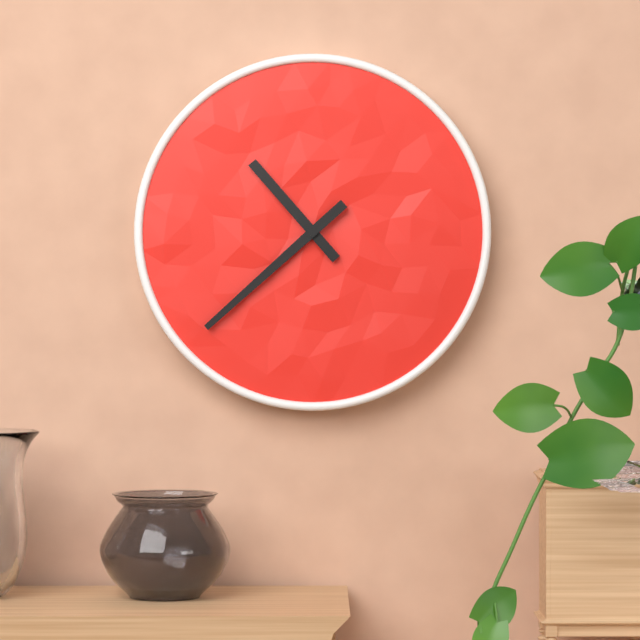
10.38
